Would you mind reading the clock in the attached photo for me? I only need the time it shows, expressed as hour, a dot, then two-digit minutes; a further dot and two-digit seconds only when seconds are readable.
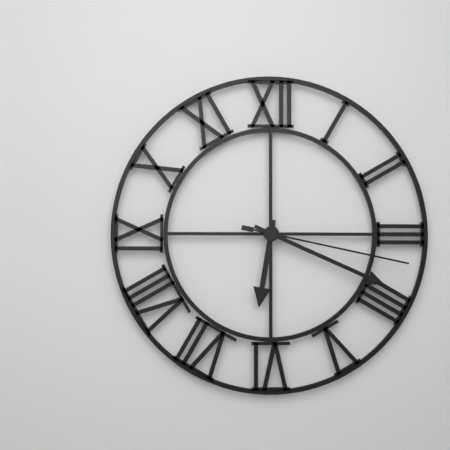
6.19.17
